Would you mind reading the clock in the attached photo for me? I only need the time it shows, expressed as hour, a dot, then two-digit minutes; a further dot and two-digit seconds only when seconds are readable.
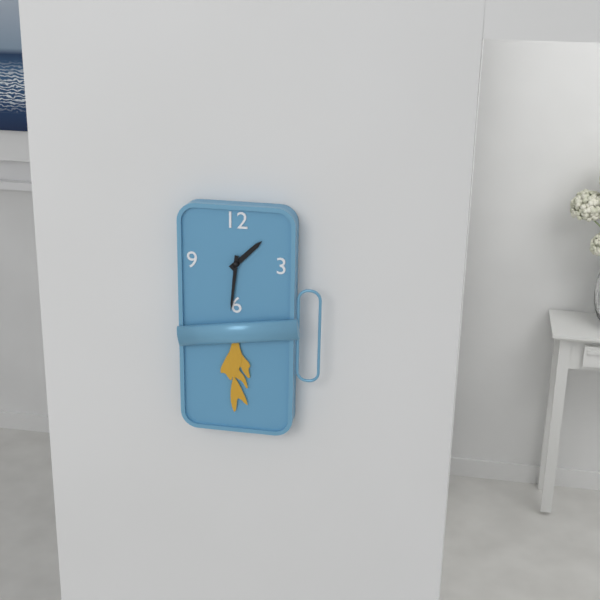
1.31
